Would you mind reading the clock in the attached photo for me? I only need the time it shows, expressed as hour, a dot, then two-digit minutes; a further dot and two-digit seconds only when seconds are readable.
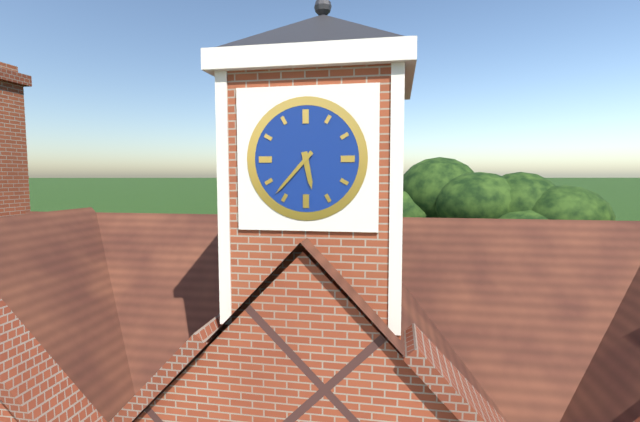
5.37
